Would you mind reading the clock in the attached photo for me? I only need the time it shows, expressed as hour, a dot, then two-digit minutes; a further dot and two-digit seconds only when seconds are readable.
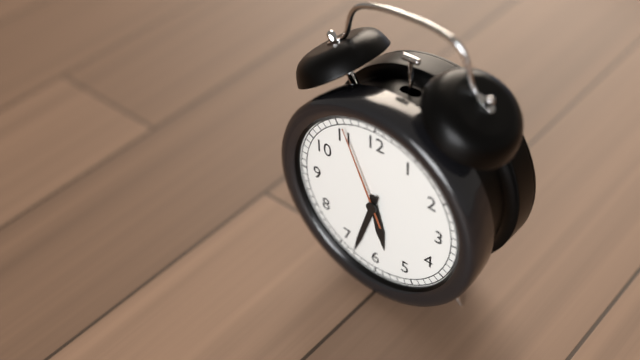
5.33.56
